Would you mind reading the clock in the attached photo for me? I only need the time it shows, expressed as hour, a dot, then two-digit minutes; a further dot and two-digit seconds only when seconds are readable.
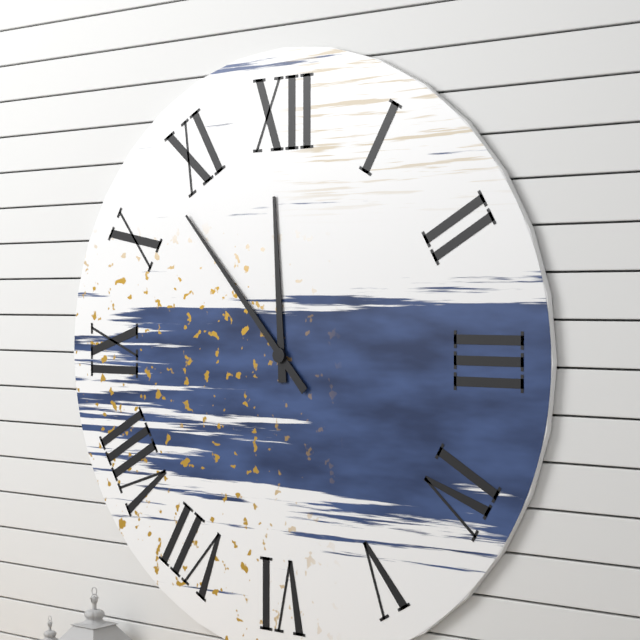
11.53
